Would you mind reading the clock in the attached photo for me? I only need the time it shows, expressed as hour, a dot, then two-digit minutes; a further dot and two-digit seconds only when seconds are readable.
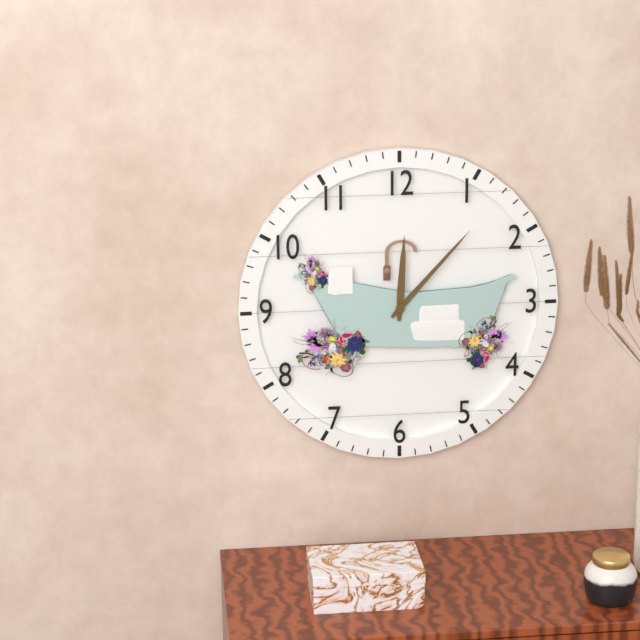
12.07
